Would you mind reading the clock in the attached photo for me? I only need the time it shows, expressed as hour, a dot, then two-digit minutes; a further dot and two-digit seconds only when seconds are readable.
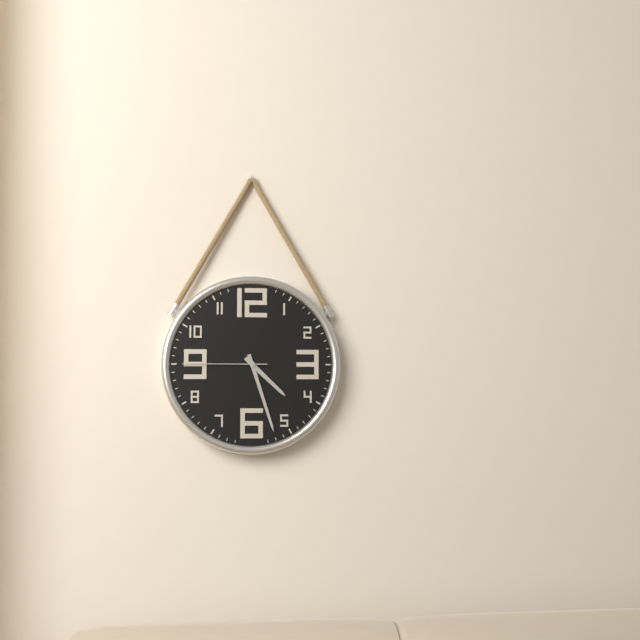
4.27.45
